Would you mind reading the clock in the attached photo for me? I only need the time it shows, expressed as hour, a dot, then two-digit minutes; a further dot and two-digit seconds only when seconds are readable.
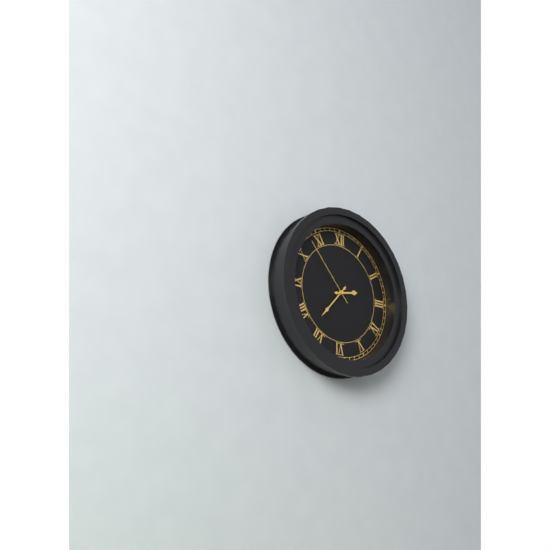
2.37.53
